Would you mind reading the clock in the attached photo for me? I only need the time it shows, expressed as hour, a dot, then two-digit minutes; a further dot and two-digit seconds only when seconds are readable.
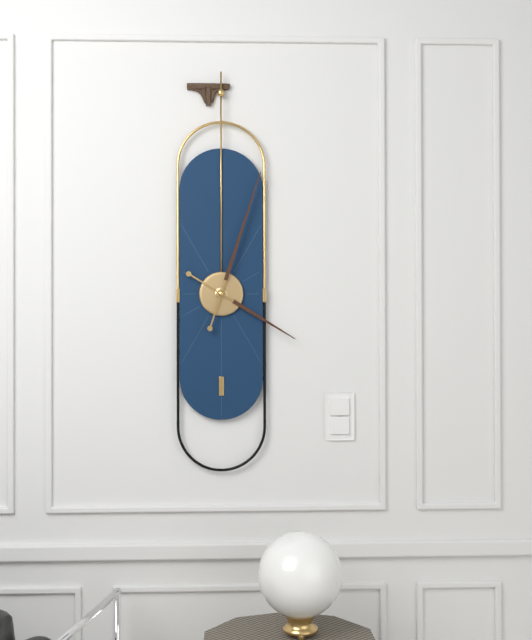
4.03
